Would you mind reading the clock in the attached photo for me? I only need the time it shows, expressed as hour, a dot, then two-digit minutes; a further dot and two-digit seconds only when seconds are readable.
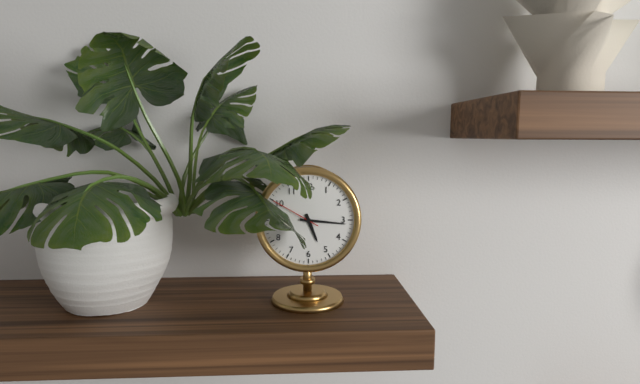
5.16.50
